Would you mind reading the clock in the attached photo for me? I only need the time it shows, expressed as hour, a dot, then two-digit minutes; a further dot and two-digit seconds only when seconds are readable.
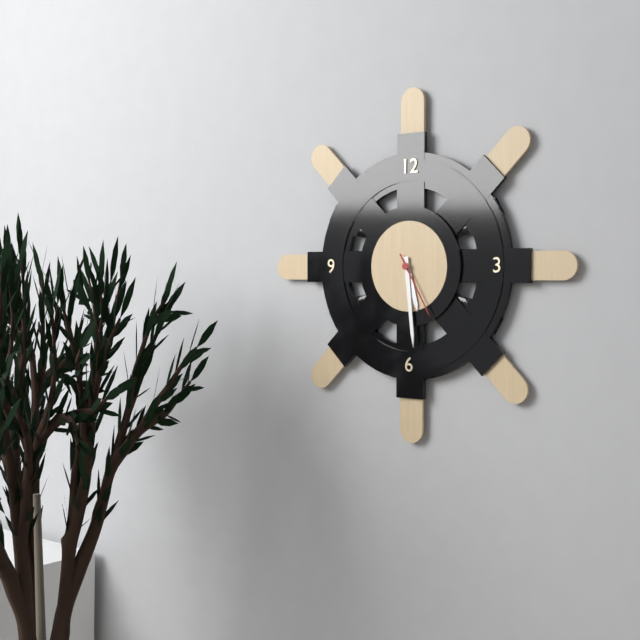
5.29.25
